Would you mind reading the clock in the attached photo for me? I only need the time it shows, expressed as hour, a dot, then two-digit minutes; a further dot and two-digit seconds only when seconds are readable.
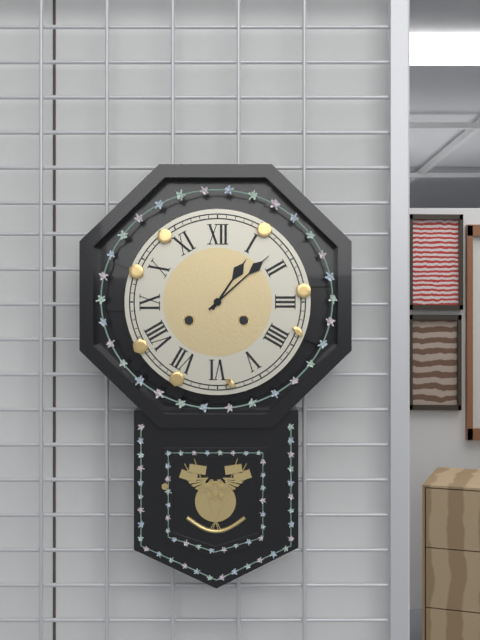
1.08
